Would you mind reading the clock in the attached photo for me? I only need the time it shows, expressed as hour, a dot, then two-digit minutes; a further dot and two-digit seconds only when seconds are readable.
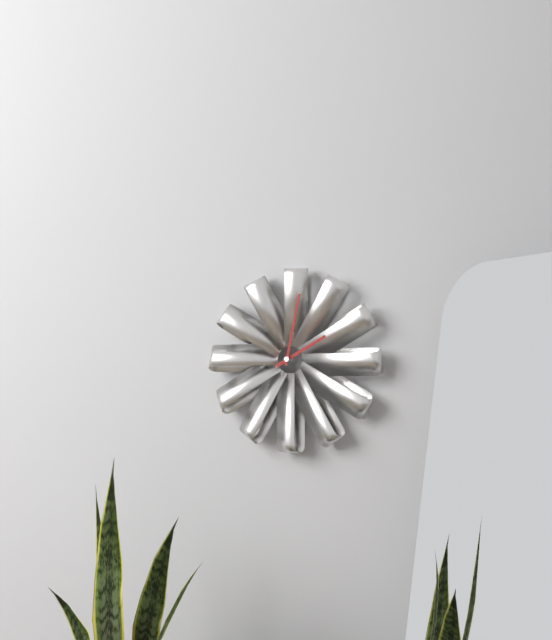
2.02
